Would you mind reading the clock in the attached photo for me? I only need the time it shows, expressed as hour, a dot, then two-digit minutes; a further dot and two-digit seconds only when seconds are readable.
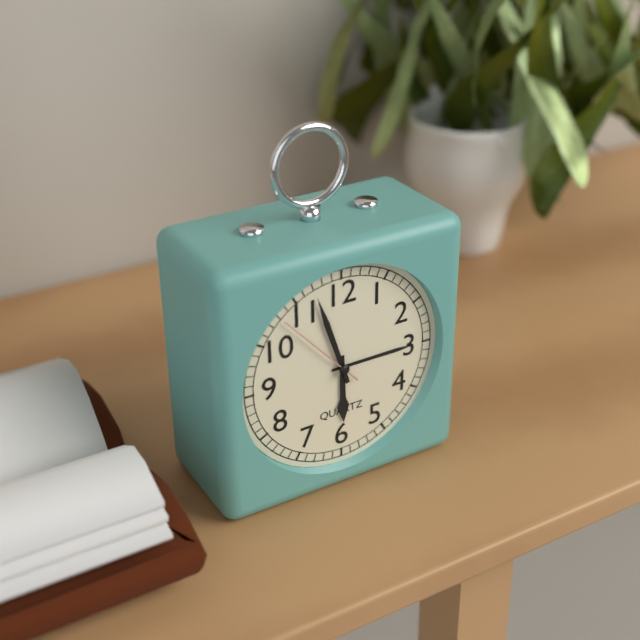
5.57.53
